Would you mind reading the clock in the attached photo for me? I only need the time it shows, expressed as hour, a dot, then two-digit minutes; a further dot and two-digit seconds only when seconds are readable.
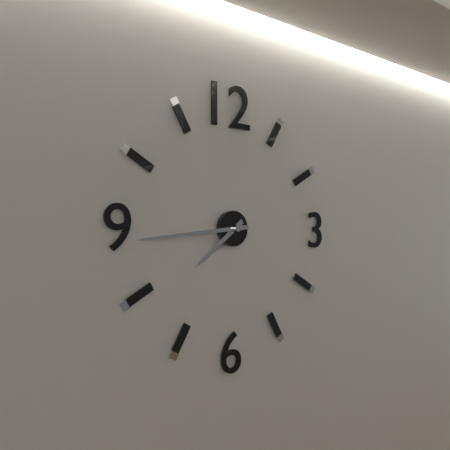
7.44
